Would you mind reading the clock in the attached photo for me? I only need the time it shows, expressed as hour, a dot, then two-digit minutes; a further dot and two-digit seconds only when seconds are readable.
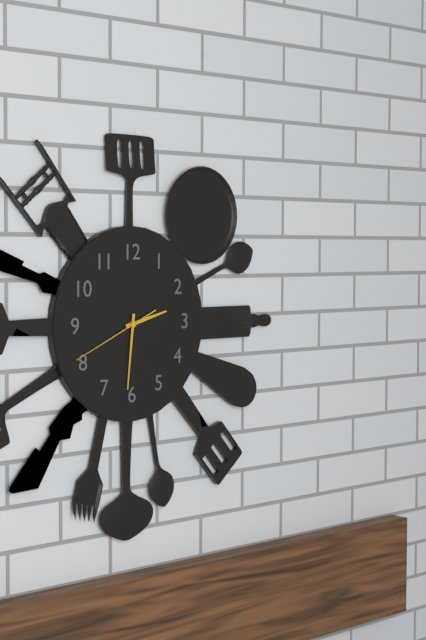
2.31.41
